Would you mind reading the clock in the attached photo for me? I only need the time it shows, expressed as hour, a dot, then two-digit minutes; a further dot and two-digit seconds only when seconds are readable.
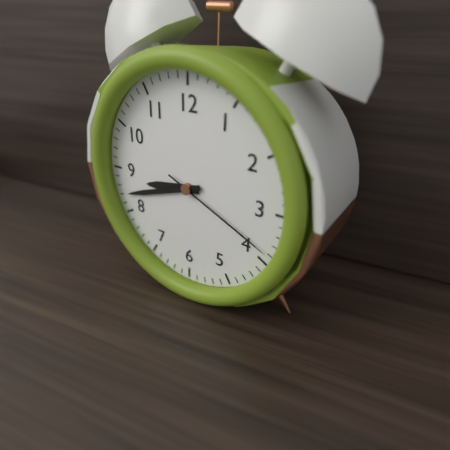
8.42.19
